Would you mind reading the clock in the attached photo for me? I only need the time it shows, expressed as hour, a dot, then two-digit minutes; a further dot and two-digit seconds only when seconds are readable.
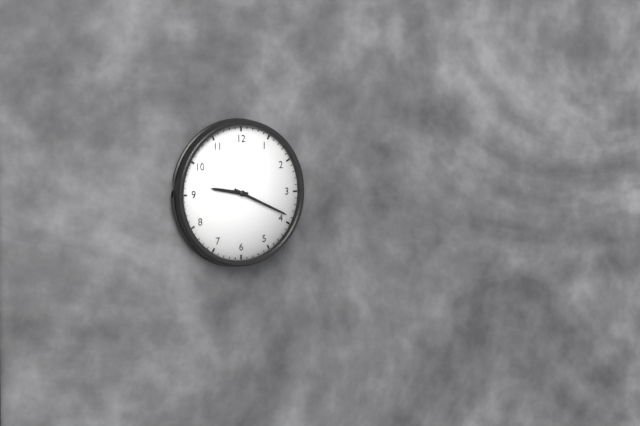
9.19
